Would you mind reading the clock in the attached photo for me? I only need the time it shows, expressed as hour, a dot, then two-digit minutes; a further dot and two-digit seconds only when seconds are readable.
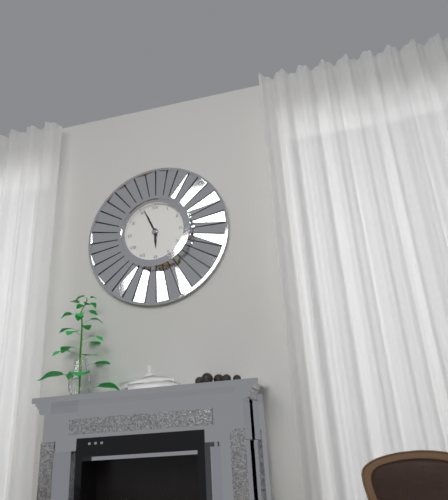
5.56
